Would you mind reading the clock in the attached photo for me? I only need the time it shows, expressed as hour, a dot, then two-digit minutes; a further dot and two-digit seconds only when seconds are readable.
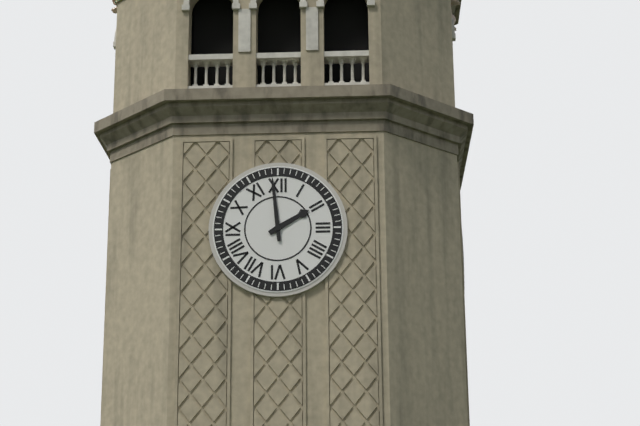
1.59
